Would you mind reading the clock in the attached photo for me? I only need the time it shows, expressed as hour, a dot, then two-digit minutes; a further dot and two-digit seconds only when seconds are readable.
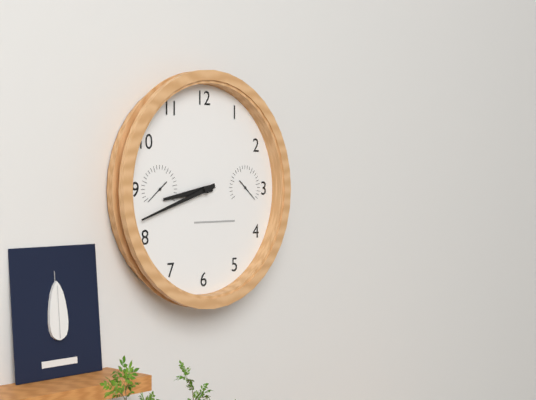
8.42
